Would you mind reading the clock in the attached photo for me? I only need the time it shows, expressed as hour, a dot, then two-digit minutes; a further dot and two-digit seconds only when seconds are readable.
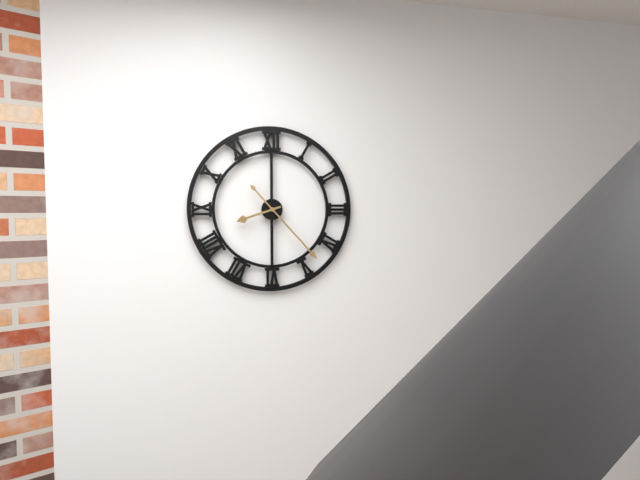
8.23
